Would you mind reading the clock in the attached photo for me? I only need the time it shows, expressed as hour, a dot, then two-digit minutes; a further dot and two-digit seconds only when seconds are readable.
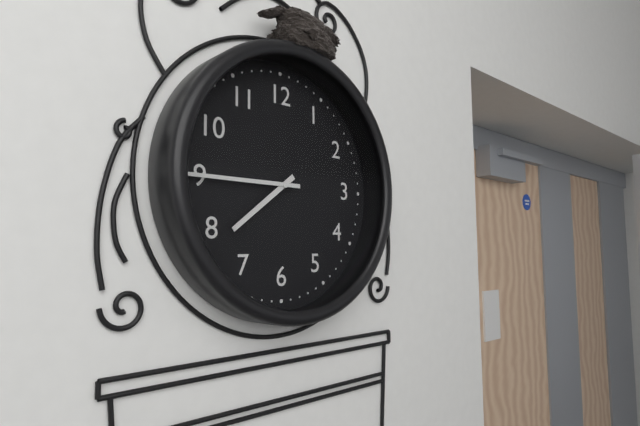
7.45
